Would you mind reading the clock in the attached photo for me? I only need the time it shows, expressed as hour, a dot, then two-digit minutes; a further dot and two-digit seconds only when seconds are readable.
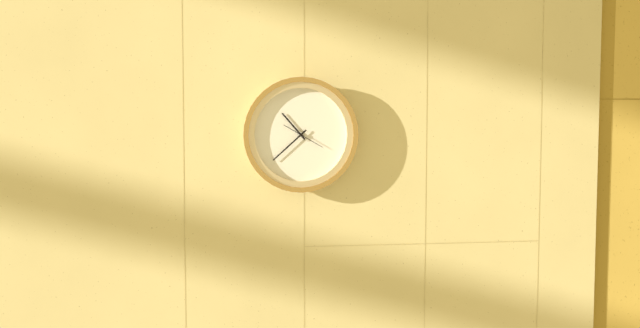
10.38
